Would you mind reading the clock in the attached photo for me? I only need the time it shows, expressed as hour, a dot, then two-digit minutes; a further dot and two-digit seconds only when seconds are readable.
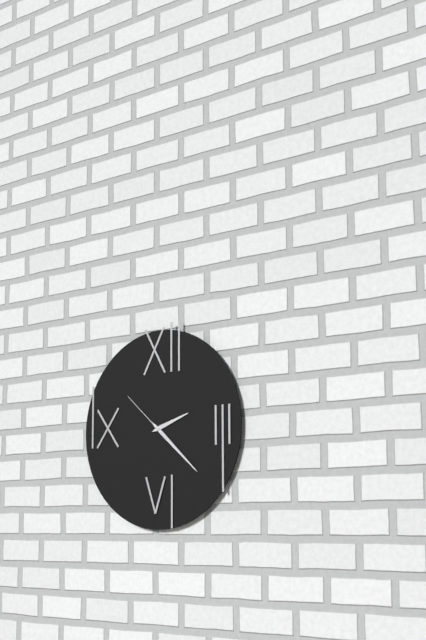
2.22.52
